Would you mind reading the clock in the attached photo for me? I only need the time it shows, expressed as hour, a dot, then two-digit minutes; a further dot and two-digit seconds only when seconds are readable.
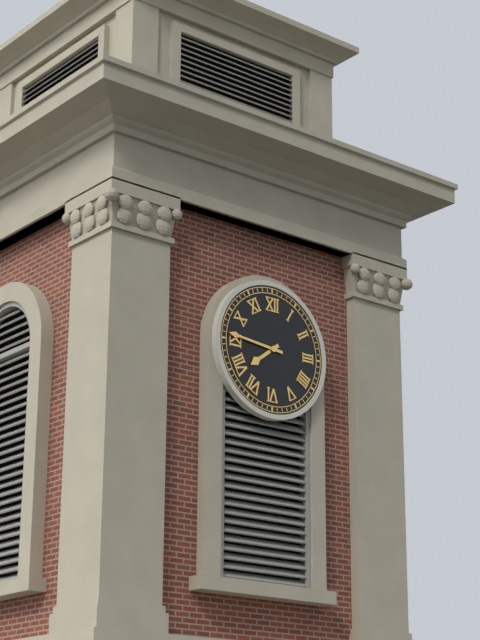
7.46
